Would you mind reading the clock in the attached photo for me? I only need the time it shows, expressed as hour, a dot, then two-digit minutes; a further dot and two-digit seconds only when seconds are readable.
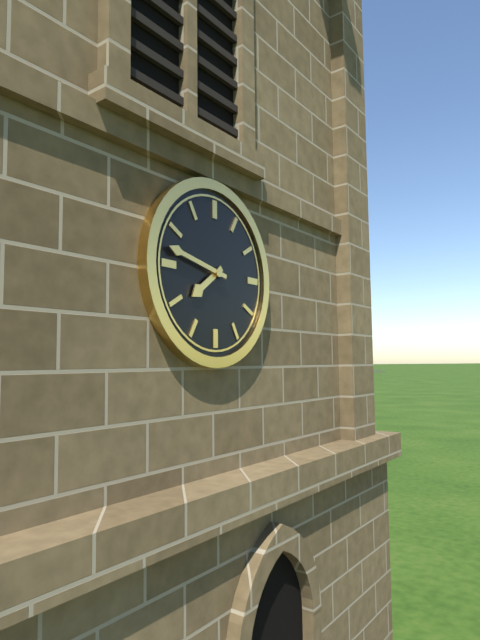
7.47
